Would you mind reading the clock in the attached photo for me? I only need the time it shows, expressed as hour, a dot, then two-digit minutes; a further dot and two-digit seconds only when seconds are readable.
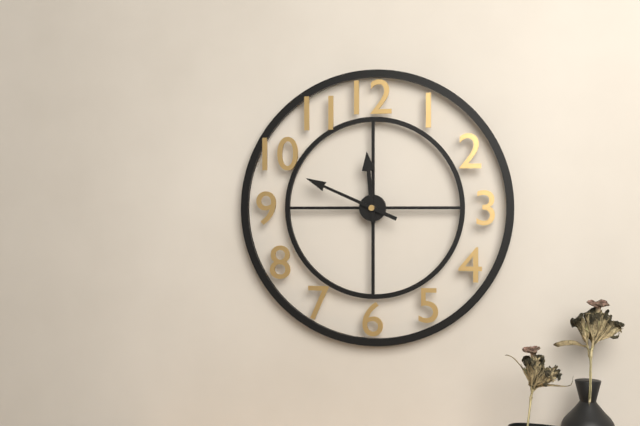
11.49
